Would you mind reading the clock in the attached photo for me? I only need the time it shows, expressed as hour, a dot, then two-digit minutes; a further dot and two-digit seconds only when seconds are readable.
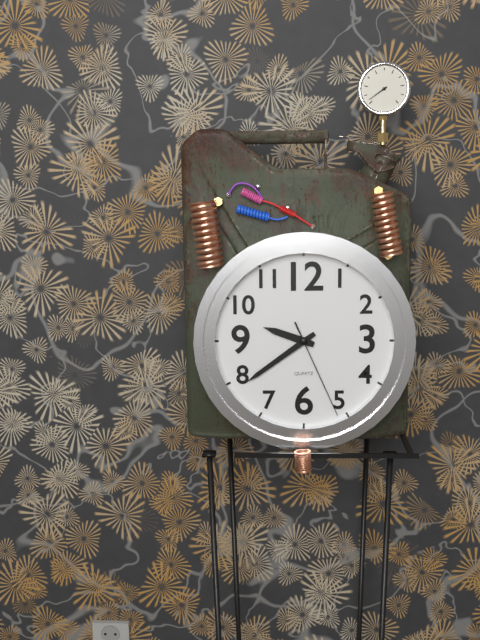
9.39.26
